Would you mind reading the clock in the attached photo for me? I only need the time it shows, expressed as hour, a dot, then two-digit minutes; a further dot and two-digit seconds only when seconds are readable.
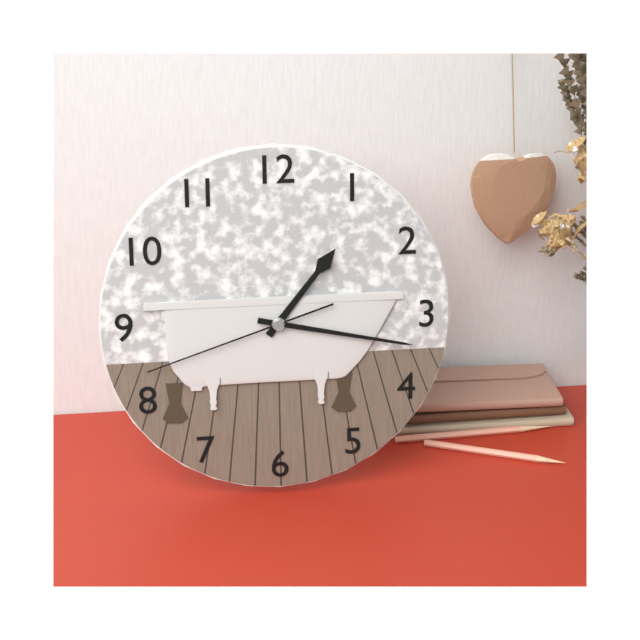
1.17.42
